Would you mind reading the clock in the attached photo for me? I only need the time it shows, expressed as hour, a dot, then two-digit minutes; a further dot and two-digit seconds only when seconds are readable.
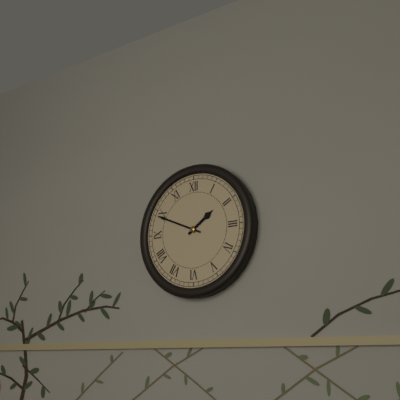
1.49
